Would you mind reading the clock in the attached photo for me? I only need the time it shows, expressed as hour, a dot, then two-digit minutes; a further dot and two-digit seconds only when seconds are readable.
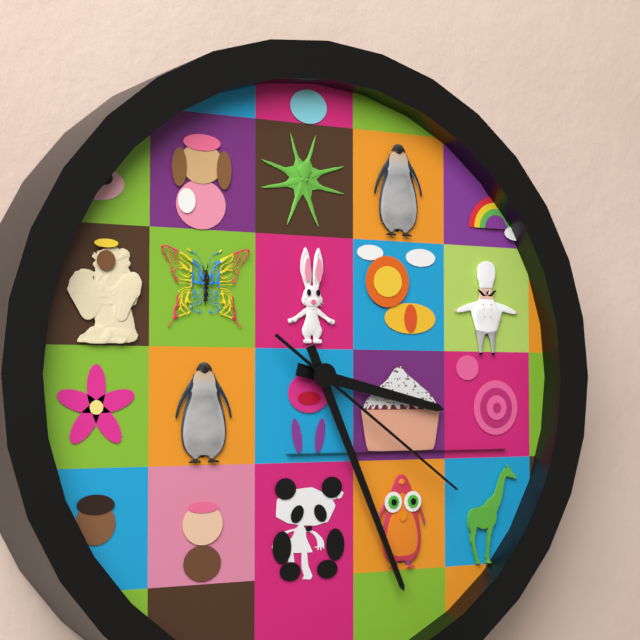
3.26.21
